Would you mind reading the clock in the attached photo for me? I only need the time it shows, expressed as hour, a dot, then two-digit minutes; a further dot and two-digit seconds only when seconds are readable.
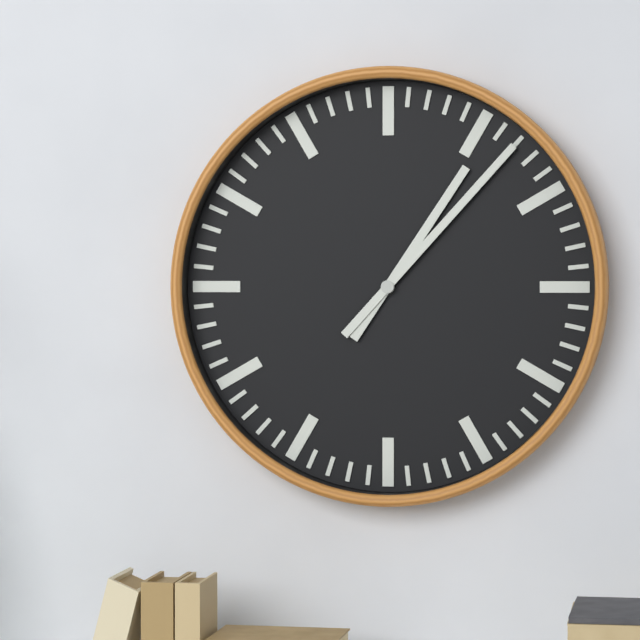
1.07
